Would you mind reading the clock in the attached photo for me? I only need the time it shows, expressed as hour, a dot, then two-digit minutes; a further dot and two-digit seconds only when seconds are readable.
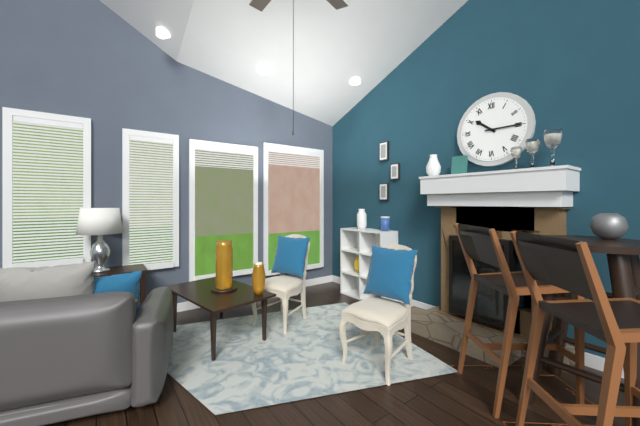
10.15
